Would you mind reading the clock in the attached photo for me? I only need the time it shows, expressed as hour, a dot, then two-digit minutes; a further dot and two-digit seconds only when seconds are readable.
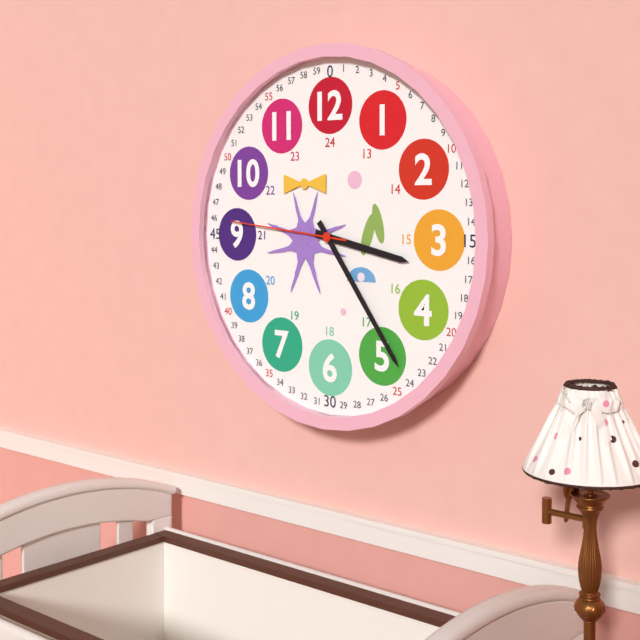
3.24.46
